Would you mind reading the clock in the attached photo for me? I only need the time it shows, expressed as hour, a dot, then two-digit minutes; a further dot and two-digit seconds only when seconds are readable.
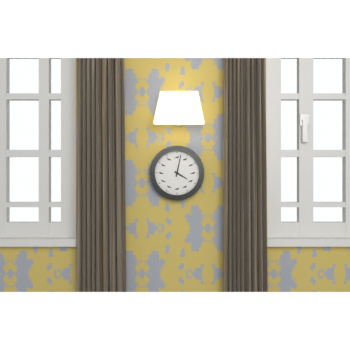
4.02
